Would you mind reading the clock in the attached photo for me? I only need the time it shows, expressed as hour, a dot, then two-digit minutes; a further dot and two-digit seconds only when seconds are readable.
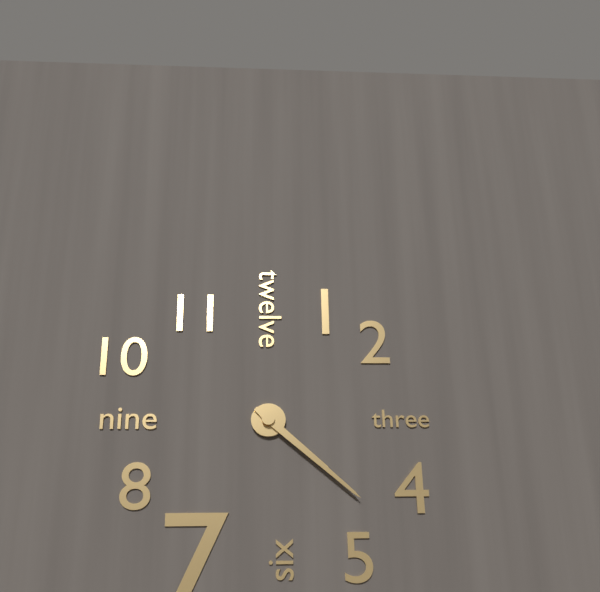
4.22
